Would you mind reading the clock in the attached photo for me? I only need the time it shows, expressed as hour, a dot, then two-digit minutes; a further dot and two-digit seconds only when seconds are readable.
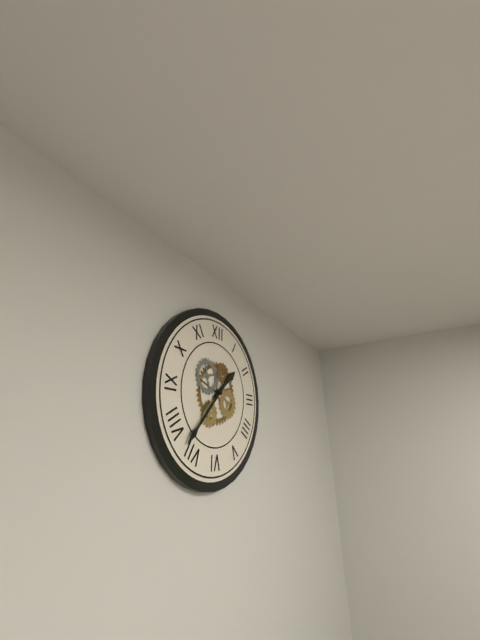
1.37
